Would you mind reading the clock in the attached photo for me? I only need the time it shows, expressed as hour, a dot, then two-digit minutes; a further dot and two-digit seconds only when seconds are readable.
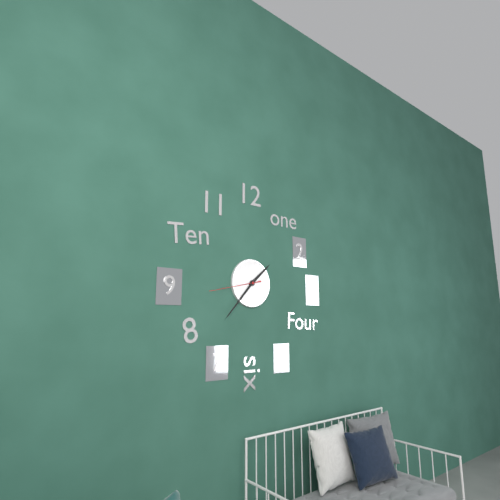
1.37.43
